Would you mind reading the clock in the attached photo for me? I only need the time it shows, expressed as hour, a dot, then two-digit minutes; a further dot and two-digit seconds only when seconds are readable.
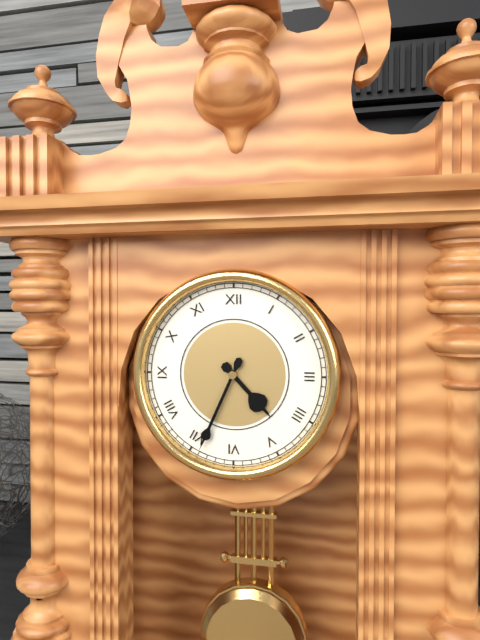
4.34
